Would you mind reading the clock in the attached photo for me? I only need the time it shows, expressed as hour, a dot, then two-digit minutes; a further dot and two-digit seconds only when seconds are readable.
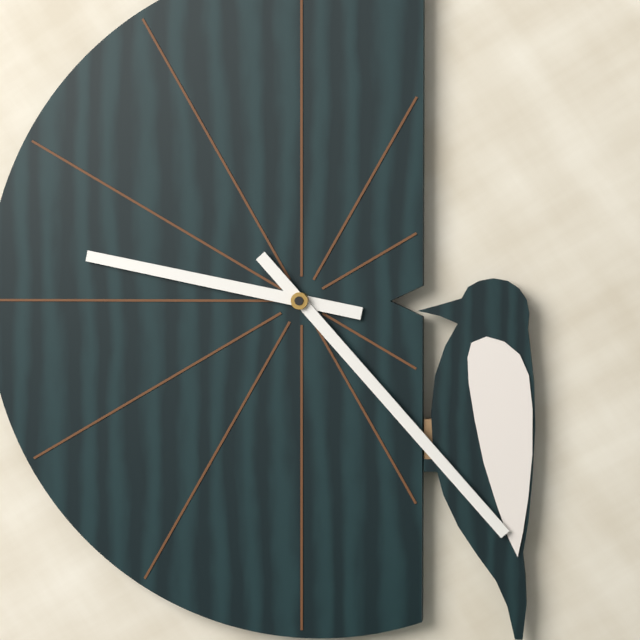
9.23
